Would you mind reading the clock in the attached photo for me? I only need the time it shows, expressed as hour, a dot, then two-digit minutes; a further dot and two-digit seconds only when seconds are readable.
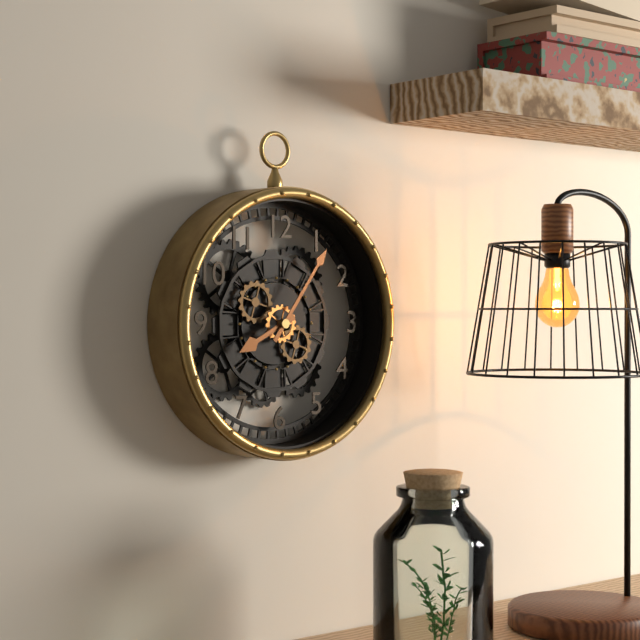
8.06
